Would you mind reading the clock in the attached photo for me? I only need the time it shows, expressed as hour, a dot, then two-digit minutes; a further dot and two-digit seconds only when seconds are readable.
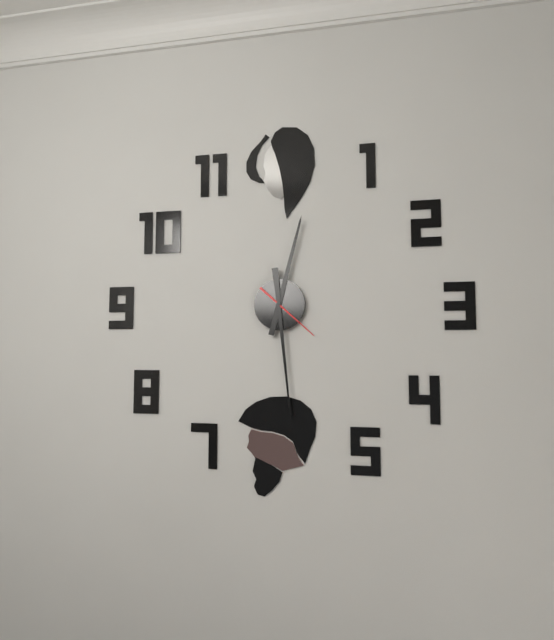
12.29.22
